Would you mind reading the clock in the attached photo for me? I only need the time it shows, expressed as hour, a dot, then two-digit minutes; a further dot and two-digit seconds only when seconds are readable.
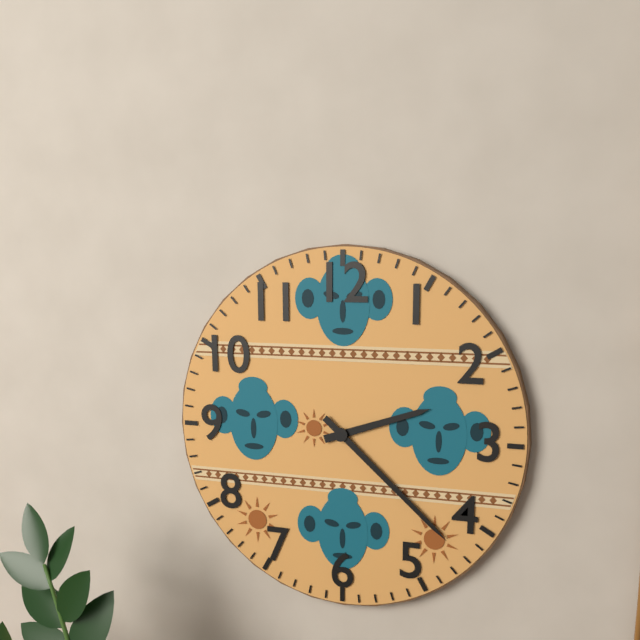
2.22
